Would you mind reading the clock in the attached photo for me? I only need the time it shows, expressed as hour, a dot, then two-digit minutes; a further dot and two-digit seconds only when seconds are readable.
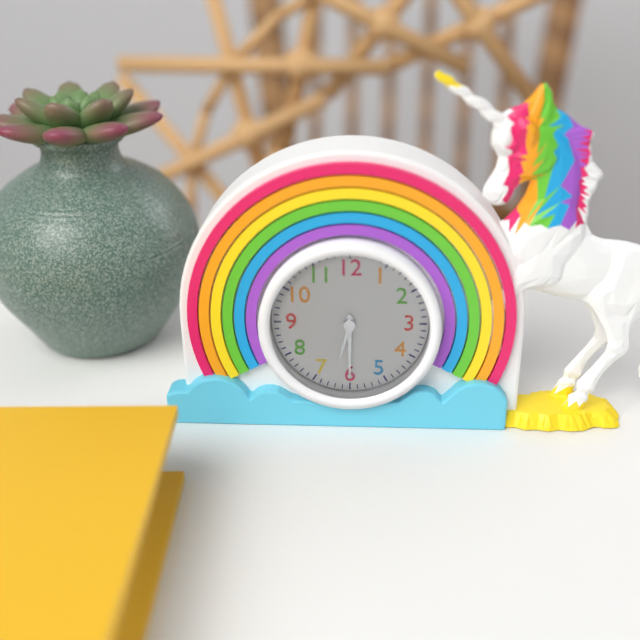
6.30
